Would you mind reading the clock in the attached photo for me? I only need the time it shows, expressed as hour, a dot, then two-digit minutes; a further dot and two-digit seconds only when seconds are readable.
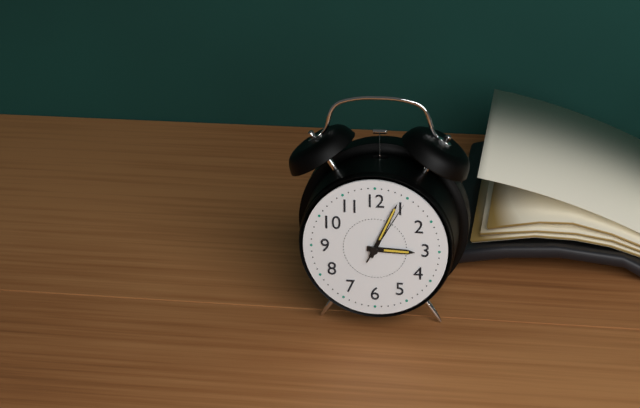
3.04.05
